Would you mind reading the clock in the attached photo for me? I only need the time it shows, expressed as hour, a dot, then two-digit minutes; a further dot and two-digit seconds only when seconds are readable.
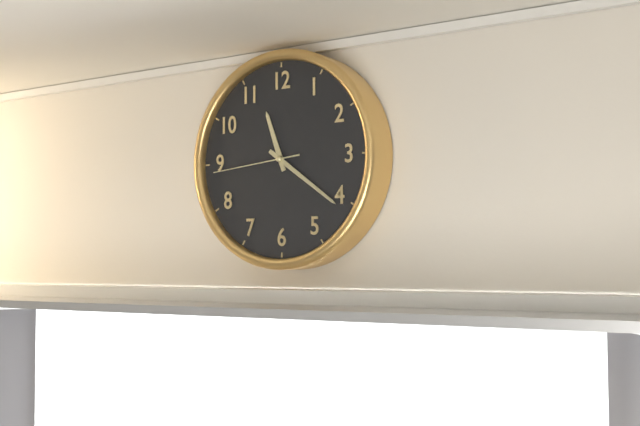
11.21.44
